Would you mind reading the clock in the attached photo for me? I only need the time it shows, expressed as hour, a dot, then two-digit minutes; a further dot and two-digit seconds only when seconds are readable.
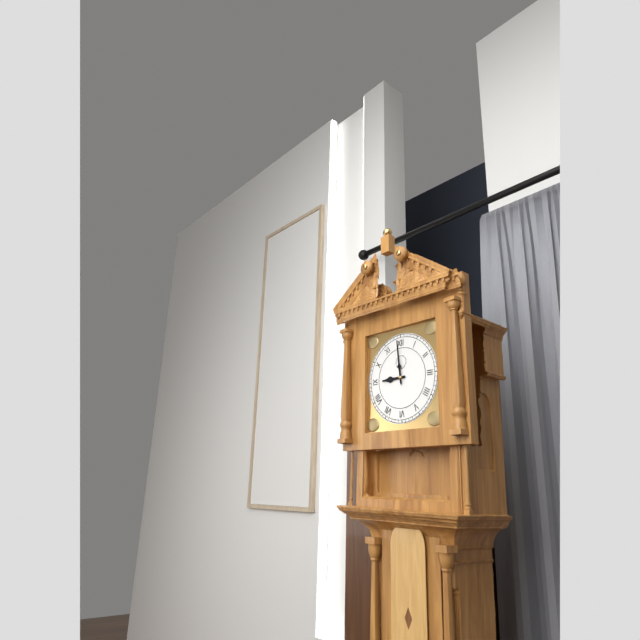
8.59
